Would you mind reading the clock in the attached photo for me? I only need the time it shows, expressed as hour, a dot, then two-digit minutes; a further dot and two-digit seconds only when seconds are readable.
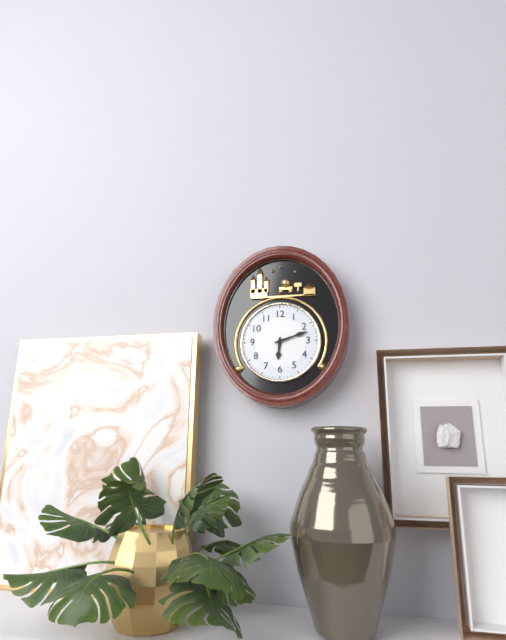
6.12
